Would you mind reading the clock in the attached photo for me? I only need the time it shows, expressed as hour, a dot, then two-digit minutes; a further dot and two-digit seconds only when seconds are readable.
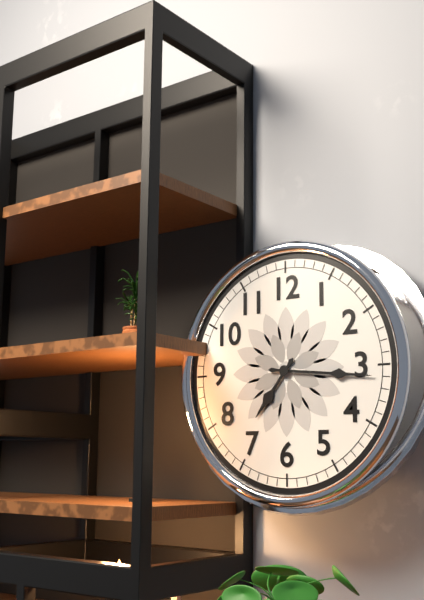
7.16
